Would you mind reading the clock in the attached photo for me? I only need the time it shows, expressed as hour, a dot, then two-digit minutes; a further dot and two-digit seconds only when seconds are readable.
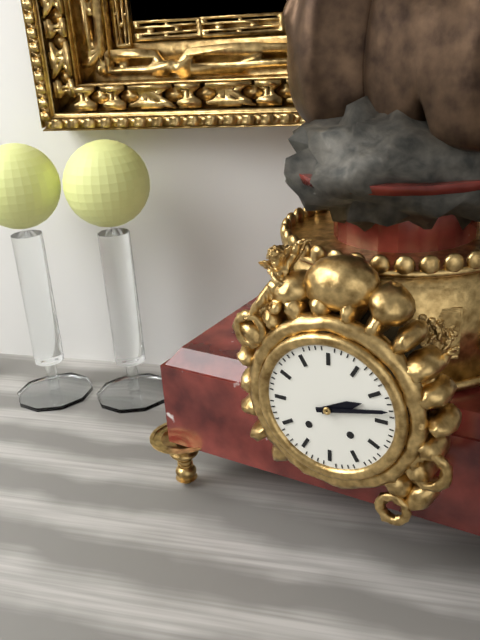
2.13
